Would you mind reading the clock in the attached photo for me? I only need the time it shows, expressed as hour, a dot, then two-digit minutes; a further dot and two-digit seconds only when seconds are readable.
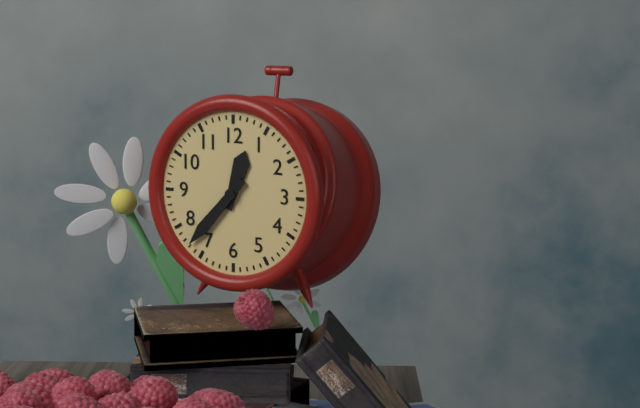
12.37
